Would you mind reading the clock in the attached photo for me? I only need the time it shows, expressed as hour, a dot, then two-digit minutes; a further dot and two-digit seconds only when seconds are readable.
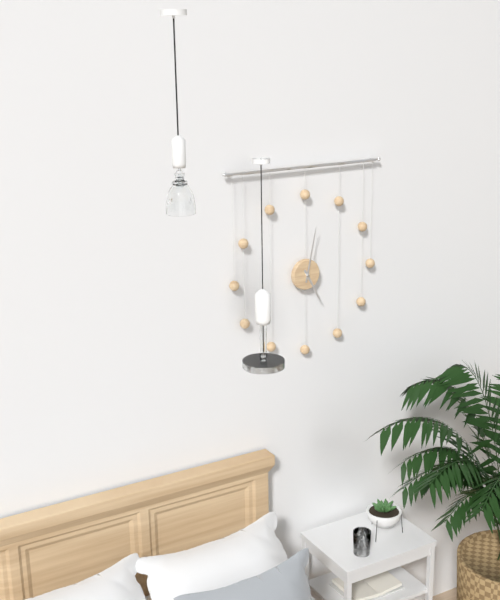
5.02
